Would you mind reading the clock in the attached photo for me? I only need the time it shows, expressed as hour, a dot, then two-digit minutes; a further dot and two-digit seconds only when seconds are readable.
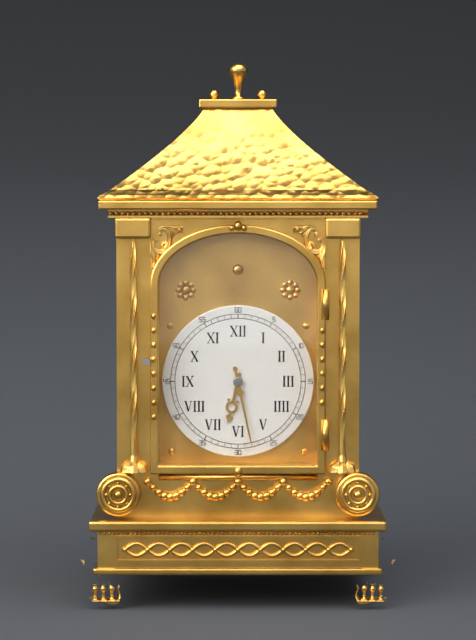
6.28
